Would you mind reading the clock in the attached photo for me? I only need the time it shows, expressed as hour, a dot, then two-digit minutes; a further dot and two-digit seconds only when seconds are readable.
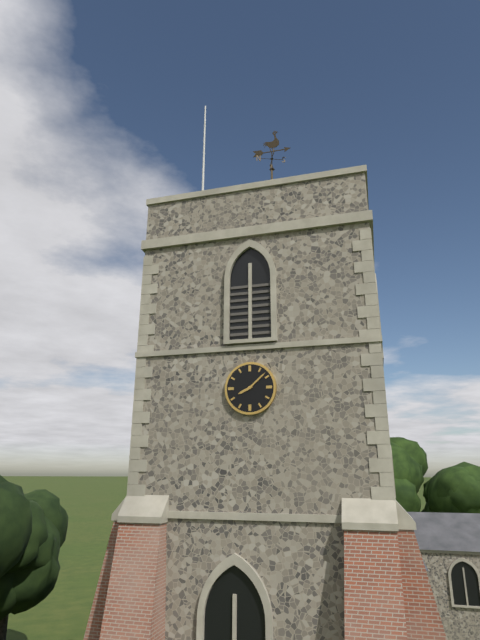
8.08
